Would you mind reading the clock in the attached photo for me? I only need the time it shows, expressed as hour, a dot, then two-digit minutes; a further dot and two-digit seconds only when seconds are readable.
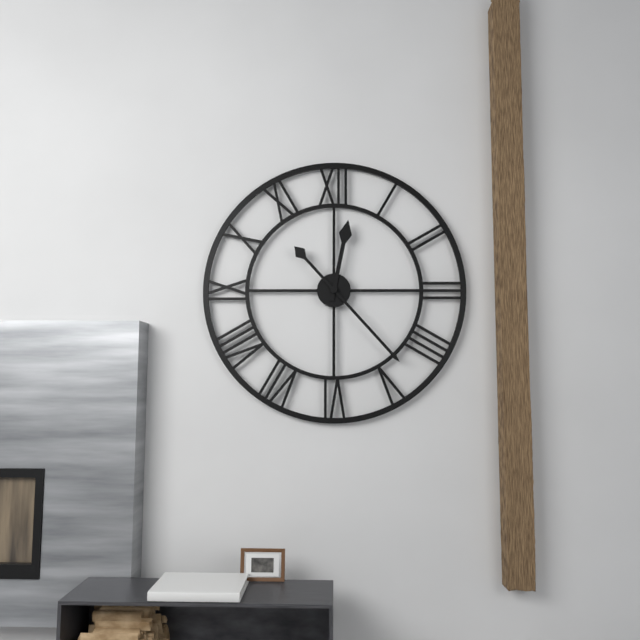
12.23
